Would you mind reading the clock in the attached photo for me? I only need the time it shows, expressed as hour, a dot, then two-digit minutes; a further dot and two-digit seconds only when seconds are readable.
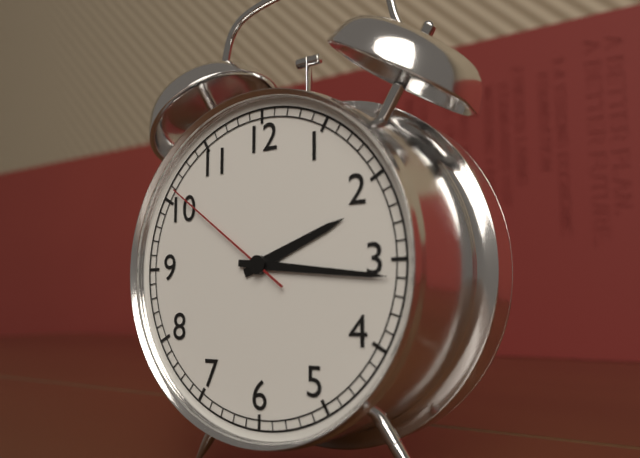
2.16.51
